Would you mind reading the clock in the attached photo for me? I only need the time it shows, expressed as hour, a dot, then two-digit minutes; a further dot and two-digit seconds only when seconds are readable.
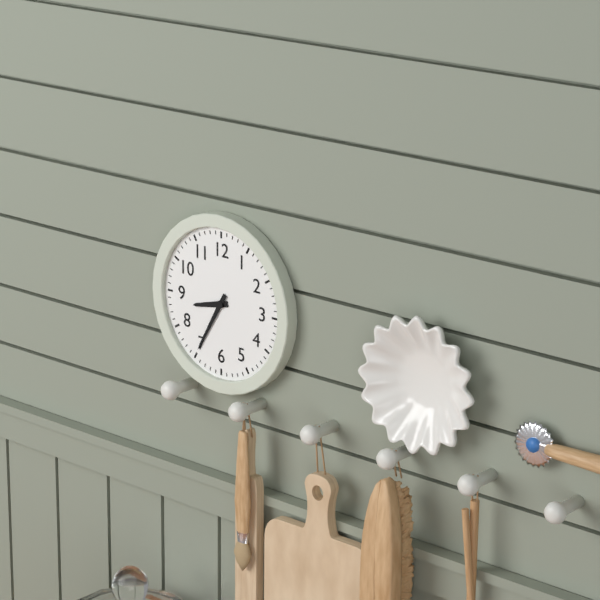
8.35
